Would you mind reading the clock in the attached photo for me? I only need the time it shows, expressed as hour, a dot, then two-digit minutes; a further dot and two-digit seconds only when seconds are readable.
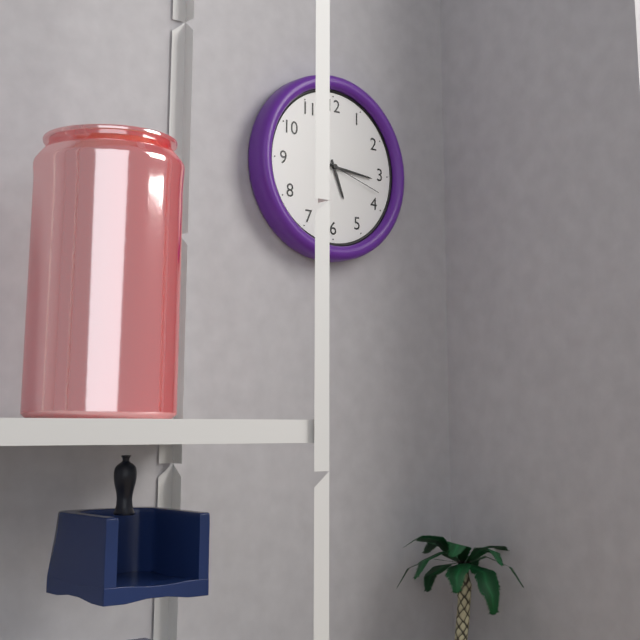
5.16.18
